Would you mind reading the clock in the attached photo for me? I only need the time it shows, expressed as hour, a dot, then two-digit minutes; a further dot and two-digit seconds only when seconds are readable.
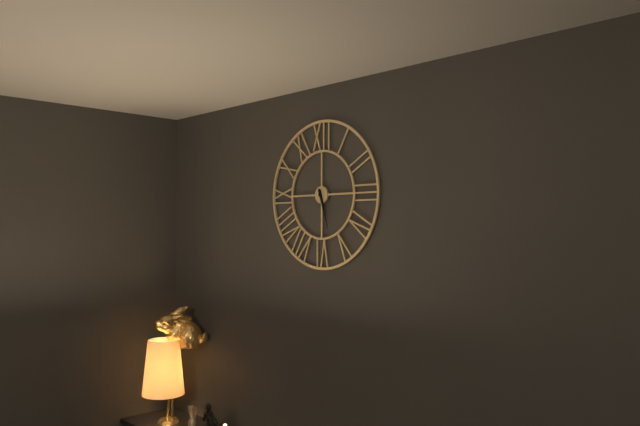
5.27
